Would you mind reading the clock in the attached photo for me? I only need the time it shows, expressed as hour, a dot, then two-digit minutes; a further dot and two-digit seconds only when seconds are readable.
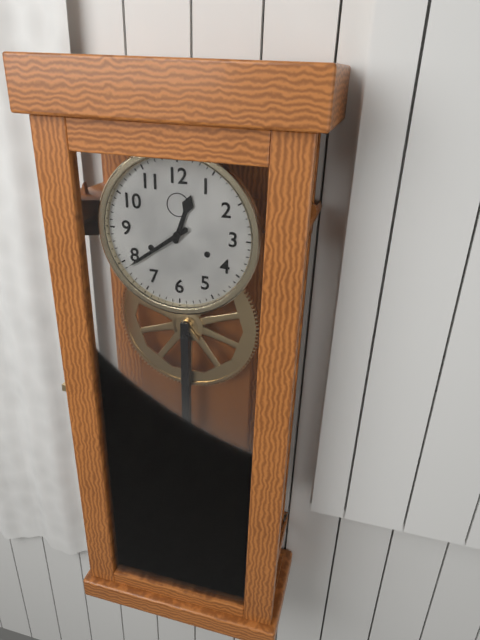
12.39
